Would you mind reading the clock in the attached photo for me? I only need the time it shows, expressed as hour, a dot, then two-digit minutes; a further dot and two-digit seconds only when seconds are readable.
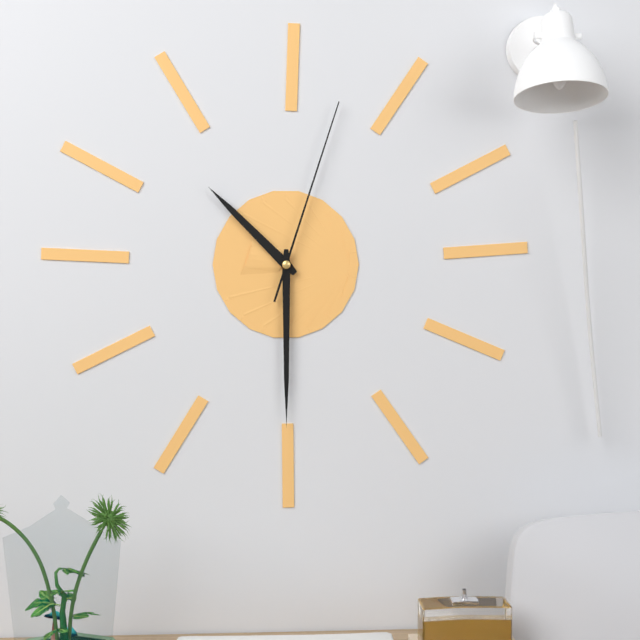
10.30.03
